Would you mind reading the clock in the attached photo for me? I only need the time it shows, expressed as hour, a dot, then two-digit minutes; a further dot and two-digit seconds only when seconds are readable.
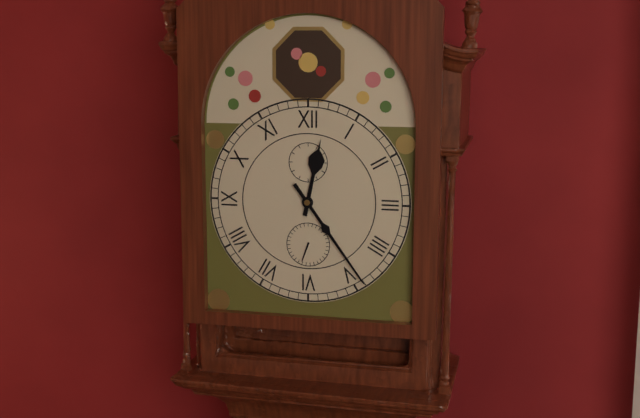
12.24
